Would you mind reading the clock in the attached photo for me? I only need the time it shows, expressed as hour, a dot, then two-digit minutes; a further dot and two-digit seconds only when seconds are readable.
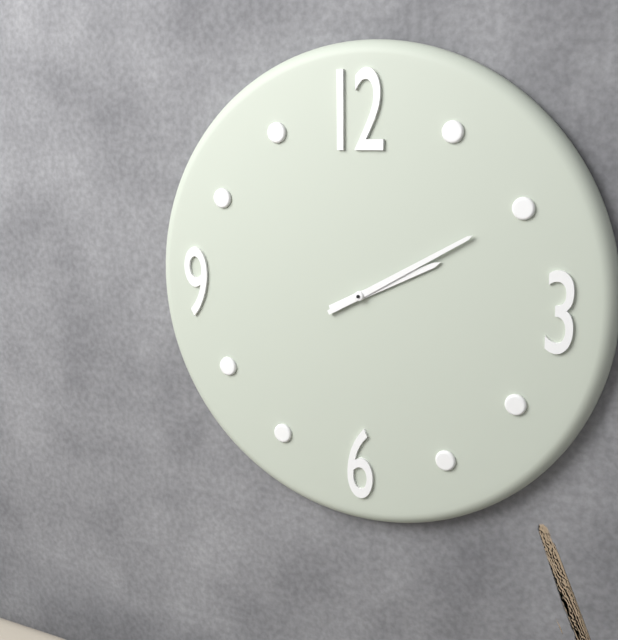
2.10
